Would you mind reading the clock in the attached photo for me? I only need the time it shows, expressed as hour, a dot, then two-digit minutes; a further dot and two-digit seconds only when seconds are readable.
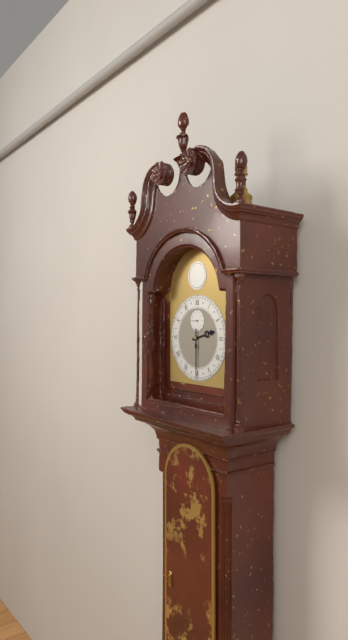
2.30
